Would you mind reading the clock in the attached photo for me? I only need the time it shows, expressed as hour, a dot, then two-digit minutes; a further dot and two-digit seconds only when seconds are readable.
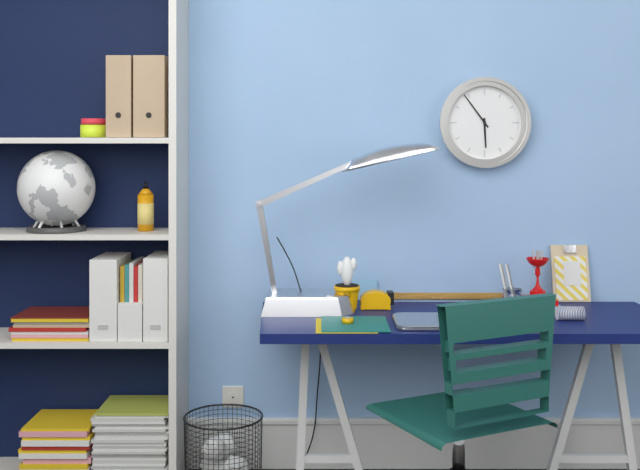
5.54
